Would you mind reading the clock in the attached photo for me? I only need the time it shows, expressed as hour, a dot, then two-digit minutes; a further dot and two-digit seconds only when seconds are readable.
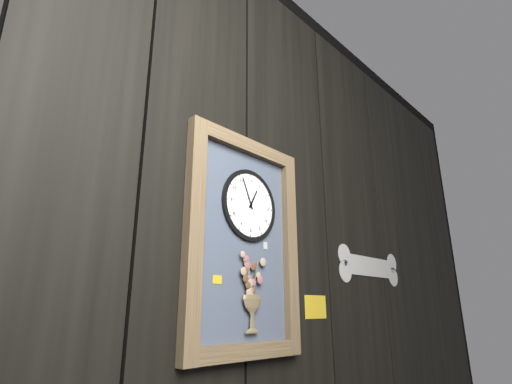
12.56
